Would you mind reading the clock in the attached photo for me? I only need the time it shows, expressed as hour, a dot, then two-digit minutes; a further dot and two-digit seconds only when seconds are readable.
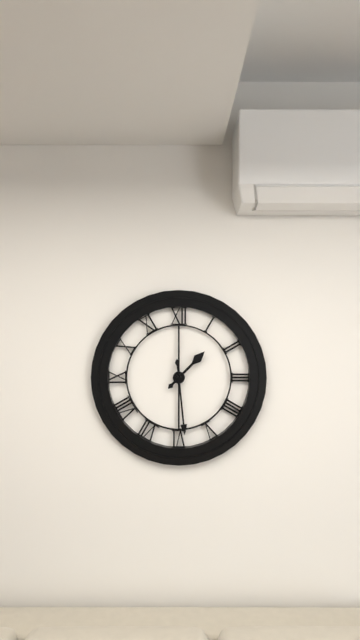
1.29
